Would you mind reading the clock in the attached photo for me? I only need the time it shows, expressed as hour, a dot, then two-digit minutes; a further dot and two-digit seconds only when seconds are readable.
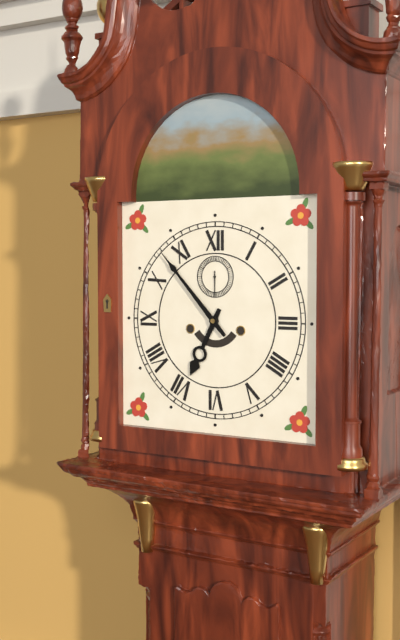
6.53
